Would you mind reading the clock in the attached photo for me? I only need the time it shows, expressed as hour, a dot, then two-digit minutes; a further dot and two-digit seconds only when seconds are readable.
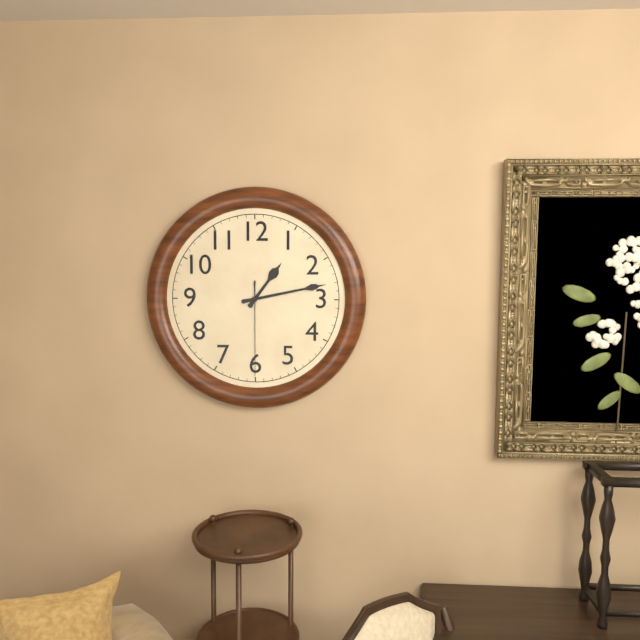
1.13.30
